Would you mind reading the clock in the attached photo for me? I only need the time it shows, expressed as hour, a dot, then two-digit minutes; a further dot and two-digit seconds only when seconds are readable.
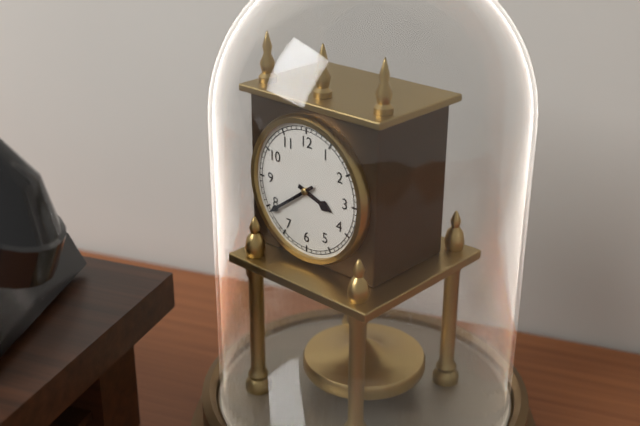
3.39
